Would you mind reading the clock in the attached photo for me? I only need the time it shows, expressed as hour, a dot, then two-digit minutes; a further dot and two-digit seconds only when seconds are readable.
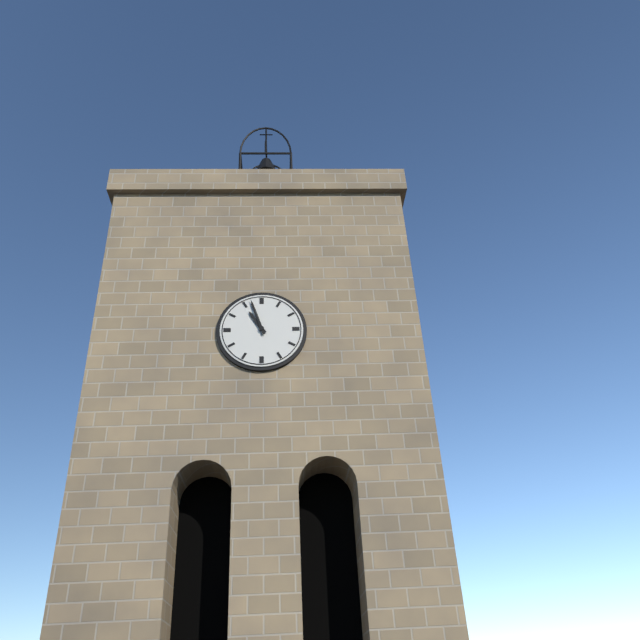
10.57
